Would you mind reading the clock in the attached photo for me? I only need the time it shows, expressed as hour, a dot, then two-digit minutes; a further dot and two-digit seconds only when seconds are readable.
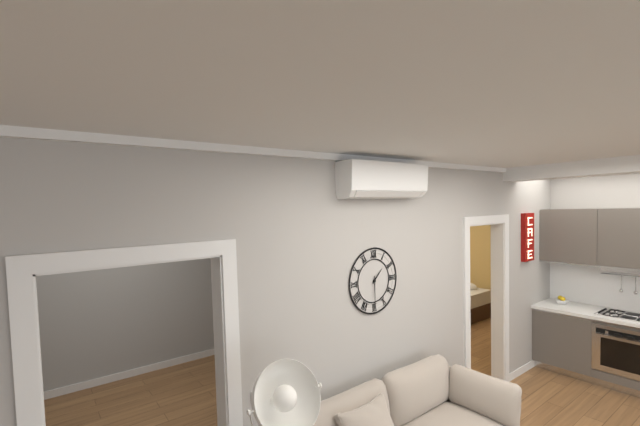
1.30
